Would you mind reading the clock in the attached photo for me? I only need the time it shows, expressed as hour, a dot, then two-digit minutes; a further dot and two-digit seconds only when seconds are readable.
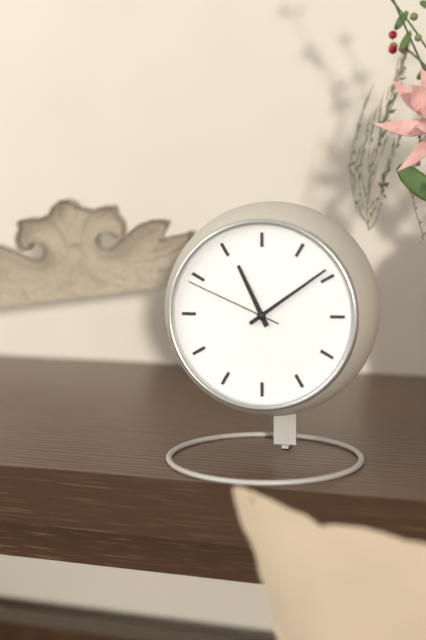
11.09.49
